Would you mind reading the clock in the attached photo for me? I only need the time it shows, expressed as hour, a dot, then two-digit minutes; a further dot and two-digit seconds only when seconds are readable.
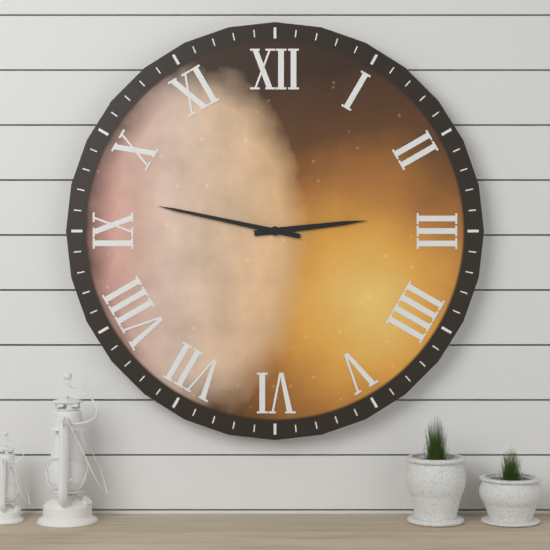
2.47
